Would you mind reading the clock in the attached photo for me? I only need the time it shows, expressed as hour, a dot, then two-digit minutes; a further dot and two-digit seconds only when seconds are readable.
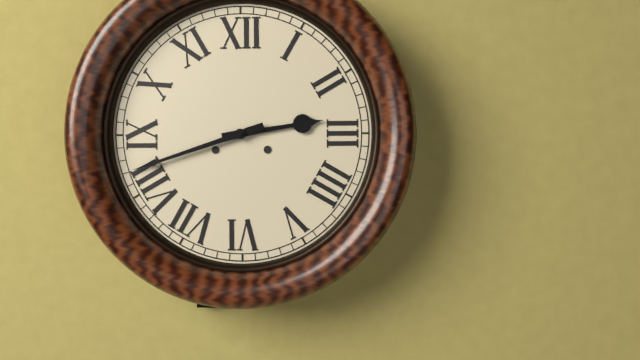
2.42
